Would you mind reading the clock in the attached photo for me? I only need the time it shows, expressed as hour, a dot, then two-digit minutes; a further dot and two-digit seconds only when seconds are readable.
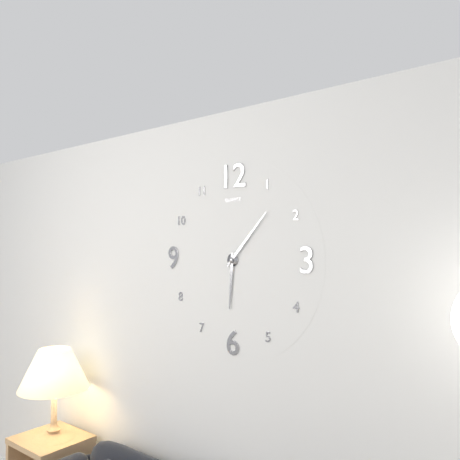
6.07
